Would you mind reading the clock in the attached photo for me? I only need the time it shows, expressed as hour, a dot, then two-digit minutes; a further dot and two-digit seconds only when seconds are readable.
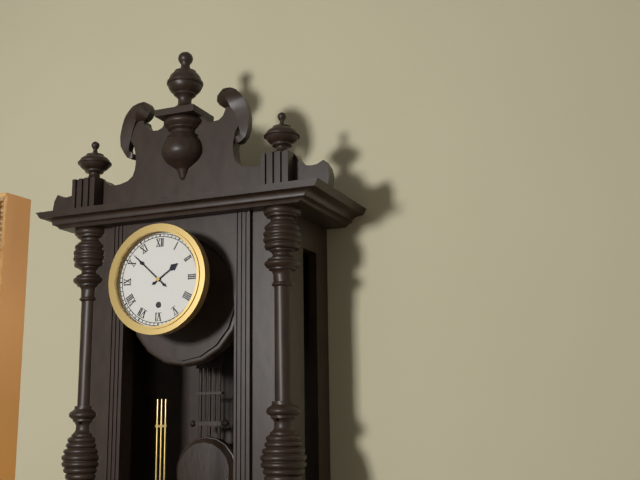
1.52
